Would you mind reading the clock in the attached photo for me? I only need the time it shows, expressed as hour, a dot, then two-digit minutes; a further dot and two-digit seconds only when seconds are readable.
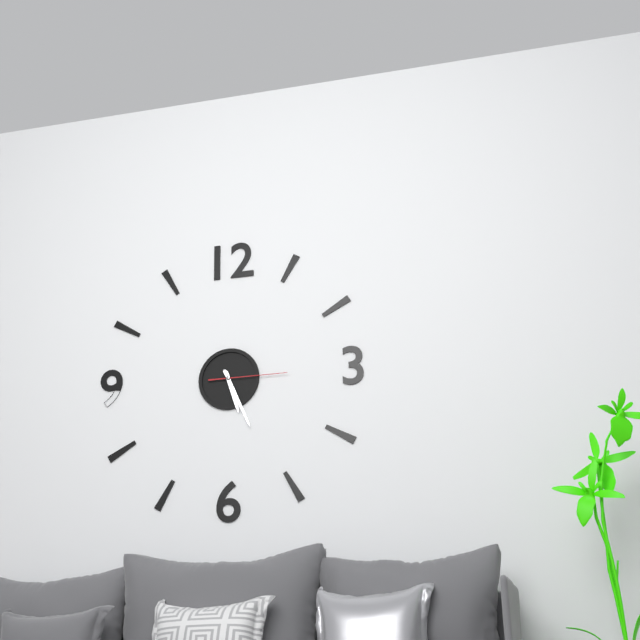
5.26.15
